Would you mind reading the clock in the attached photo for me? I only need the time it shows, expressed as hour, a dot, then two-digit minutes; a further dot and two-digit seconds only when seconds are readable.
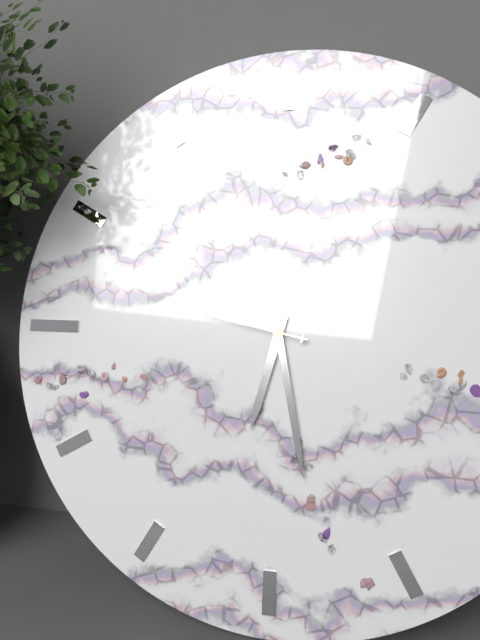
6.28.47
